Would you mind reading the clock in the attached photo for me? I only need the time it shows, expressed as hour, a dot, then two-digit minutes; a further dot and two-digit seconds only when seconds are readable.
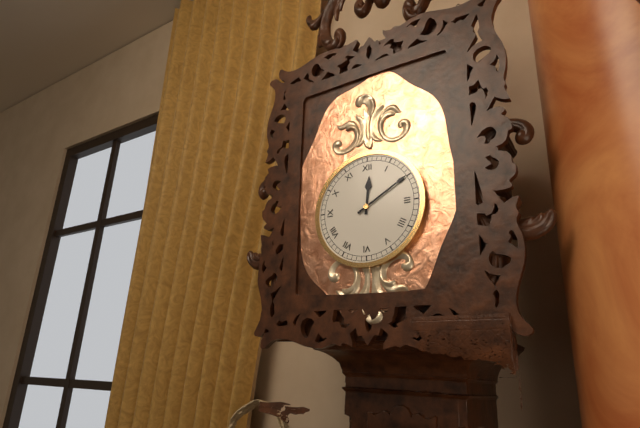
12.10
